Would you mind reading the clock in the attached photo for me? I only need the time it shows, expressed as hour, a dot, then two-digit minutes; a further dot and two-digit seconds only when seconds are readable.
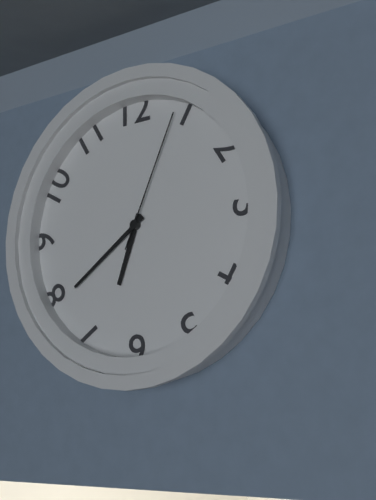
6.39.04
